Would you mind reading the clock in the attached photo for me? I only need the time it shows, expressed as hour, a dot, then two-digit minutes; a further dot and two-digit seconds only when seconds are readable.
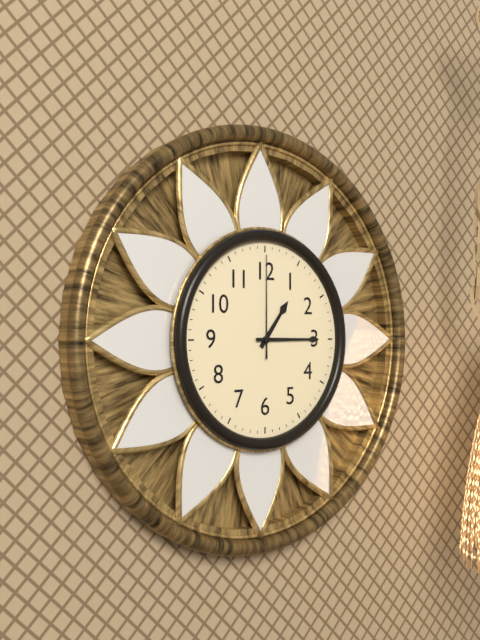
1.15.00
